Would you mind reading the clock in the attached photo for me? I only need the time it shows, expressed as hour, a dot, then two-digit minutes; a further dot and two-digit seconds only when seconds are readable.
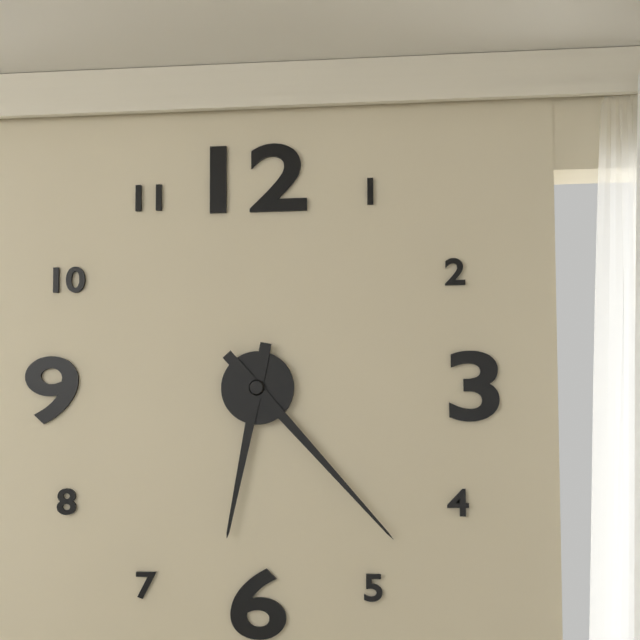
6.23
